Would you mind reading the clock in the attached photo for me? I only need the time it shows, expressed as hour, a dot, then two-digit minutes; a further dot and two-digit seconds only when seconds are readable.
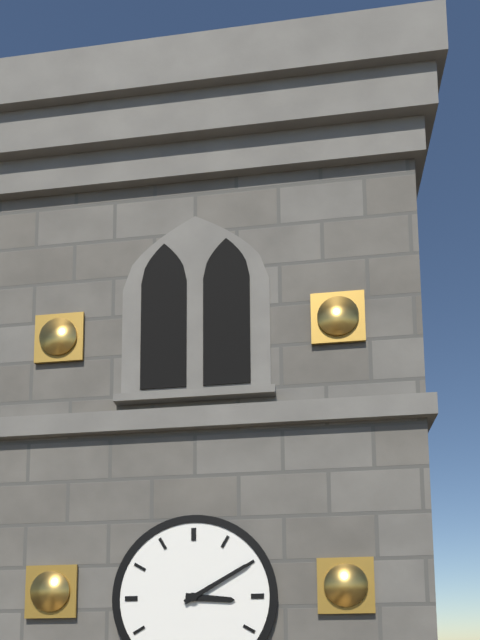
3.10
